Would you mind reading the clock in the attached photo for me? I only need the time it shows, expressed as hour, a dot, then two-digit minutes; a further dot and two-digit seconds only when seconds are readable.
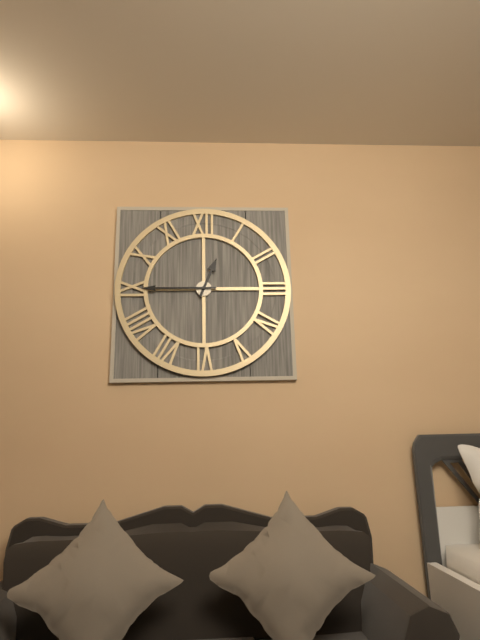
12.45
